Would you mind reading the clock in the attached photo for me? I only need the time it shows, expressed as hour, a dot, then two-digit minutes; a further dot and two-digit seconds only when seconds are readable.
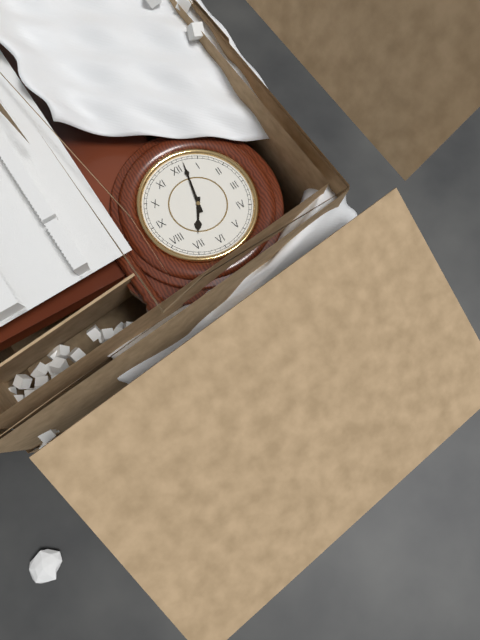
7.02
